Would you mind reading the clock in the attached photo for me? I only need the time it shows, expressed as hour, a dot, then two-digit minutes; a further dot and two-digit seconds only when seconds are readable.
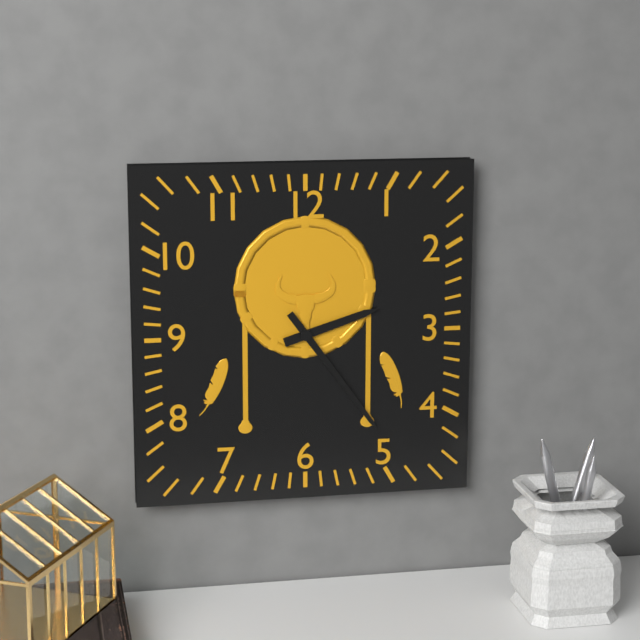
2.24
